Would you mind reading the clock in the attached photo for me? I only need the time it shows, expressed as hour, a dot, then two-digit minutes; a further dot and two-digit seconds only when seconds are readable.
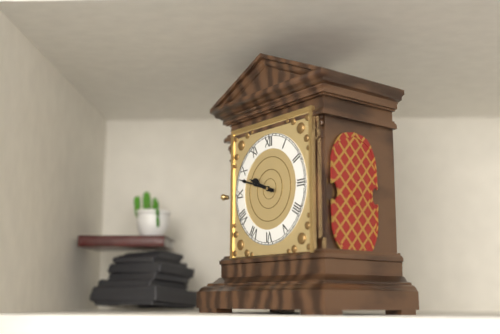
9.48
